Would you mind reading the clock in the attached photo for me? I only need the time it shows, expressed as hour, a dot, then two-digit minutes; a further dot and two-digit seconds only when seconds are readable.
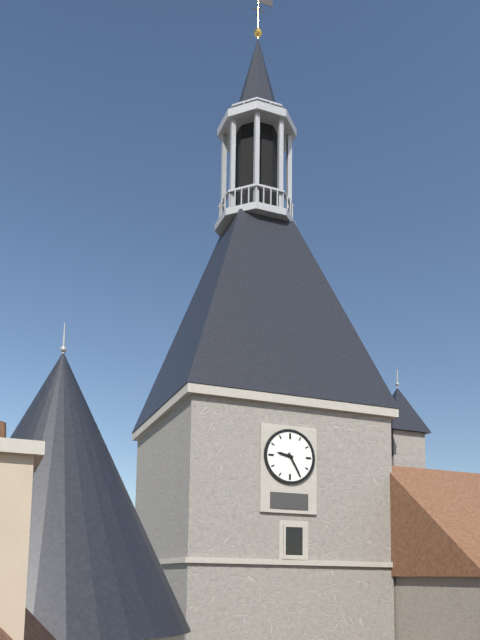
9.25
